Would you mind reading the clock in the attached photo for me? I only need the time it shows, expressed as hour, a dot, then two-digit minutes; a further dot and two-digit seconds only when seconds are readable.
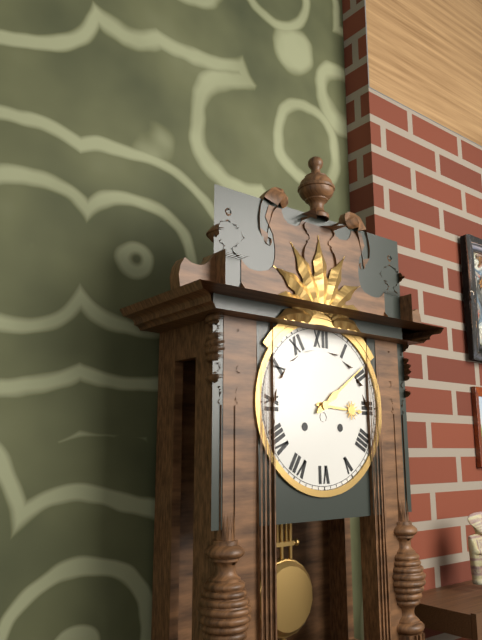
3.09
